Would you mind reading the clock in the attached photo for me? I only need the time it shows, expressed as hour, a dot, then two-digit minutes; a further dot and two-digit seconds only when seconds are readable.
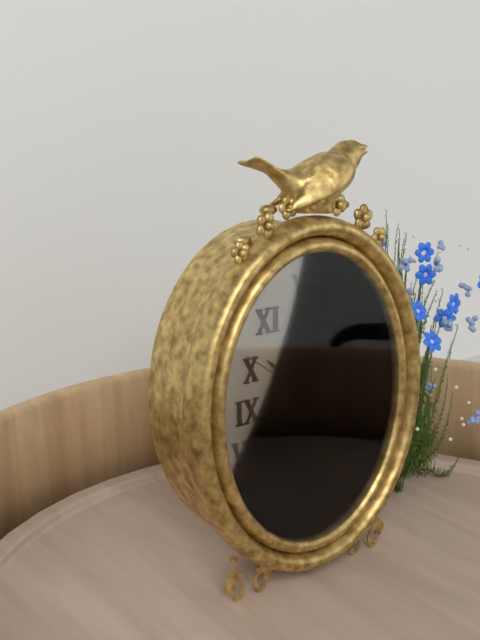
10.25.51
